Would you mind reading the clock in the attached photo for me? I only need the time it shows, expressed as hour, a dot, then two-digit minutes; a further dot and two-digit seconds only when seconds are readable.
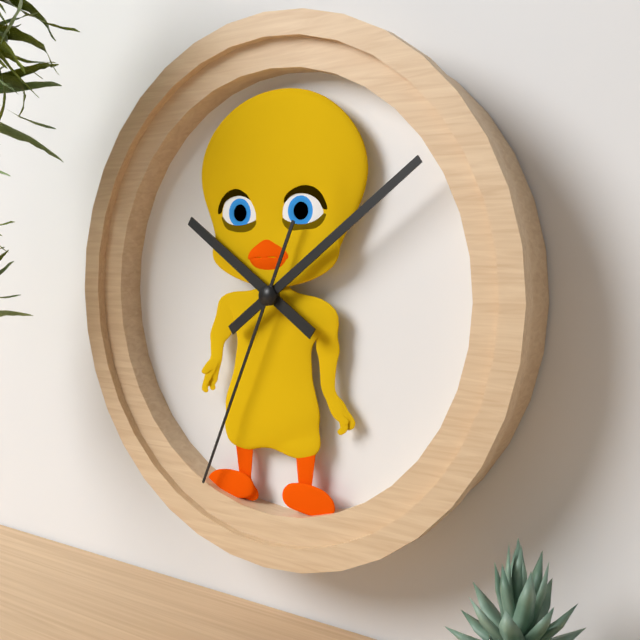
10.09.34
